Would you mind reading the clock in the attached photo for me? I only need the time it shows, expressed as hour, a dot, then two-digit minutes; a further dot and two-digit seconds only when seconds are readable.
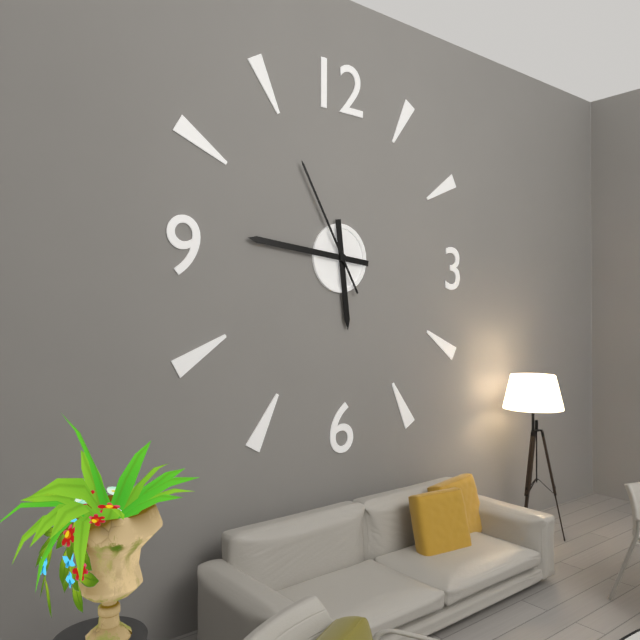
5.46.55
